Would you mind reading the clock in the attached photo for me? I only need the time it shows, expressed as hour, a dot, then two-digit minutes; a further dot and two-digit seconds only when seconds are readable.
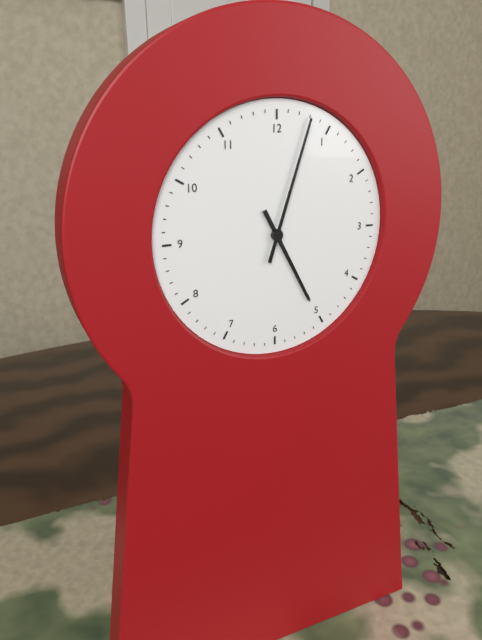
5.03
